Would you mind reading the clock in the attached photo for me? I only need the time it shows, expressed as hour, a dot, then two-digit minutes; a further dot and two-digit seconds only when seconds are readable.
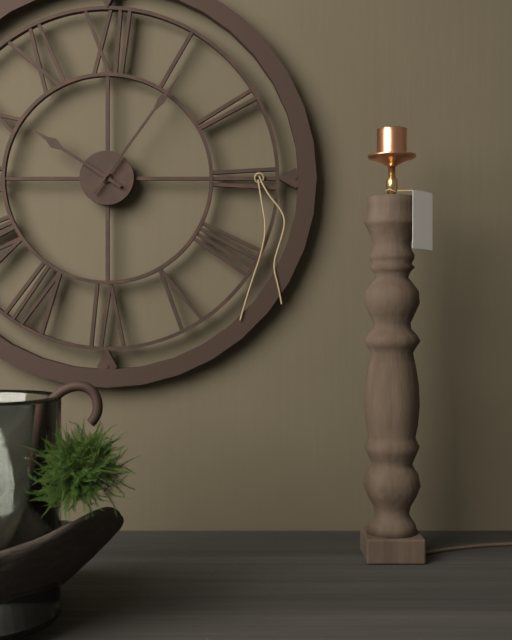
10.06
